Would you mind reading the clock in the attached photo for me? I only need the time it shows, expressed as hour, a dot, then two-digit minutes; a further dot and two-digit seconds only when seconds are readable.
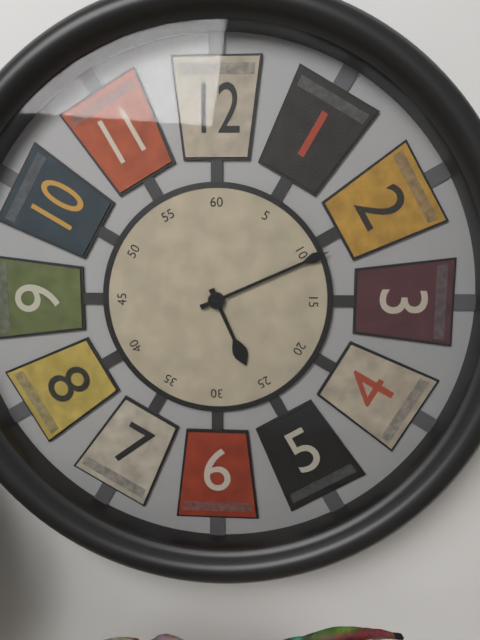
5.11
